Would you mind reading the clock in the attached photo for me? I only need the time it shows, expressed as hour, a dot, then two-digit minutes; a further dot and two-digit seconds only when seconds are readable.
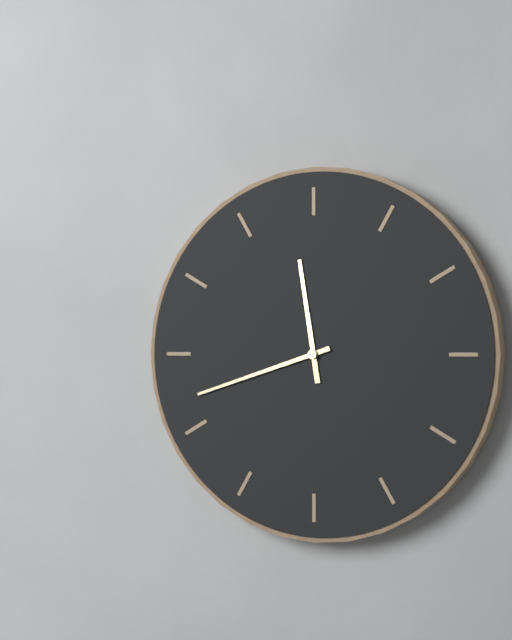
11.42
